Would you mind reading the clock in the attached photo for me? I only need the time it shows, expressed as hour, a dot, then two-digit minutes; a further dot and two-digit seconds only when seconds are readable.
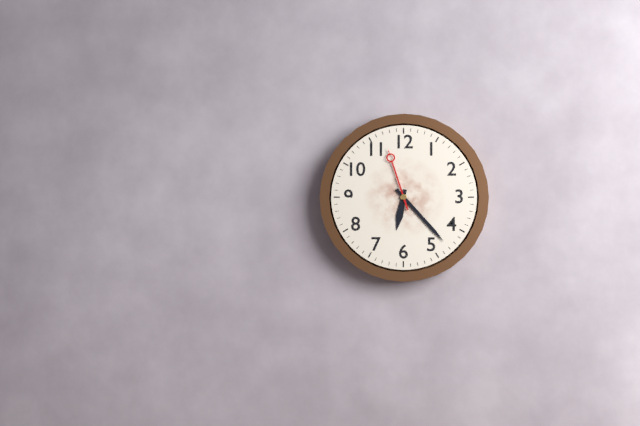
6.23.57
